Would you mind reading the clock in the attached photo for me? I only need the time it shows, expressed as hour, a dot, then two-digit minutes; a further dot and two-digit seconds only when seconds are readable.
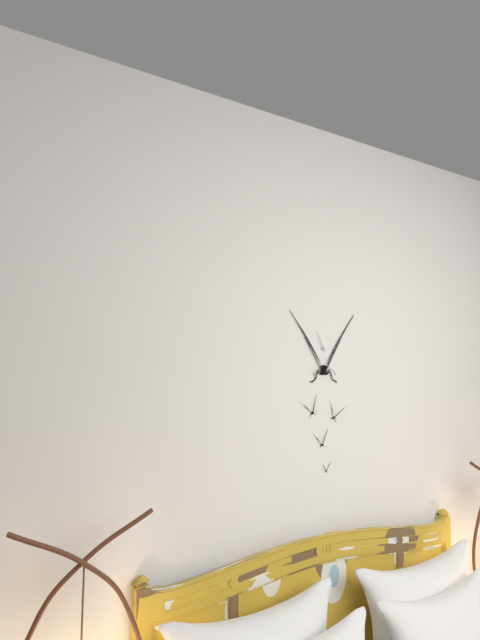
2.56
